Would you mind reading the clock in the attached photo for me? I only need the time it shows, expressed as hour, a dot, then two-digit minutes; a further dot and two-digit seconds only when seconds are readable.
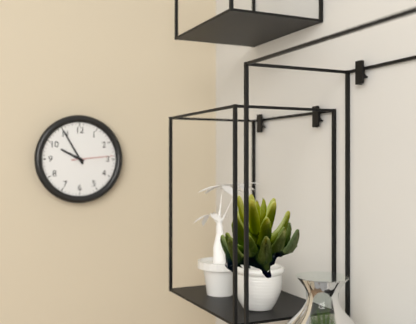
9.55
